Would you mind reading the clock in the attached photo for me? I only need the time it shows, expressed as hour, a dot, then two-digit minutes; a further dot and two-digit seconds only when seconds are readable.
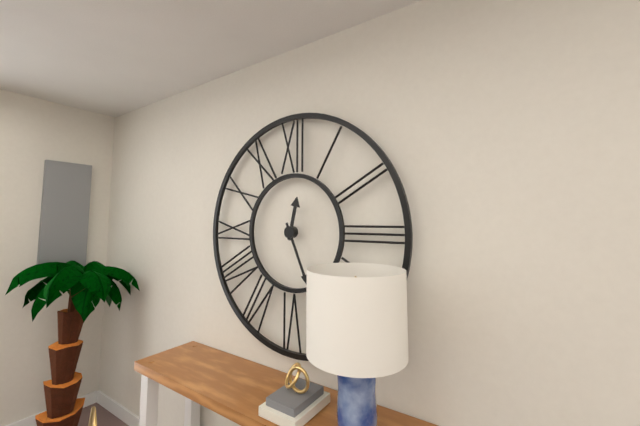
12.26
